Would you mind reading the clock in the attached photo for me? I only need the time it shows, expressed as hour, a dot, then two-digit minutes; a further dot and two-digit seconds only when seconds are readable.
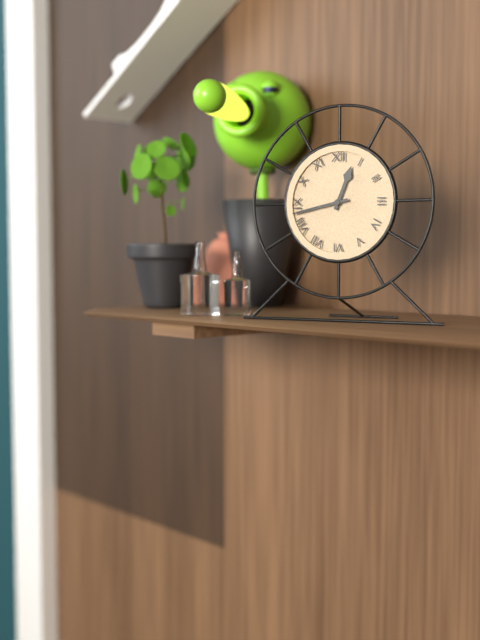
12.43
